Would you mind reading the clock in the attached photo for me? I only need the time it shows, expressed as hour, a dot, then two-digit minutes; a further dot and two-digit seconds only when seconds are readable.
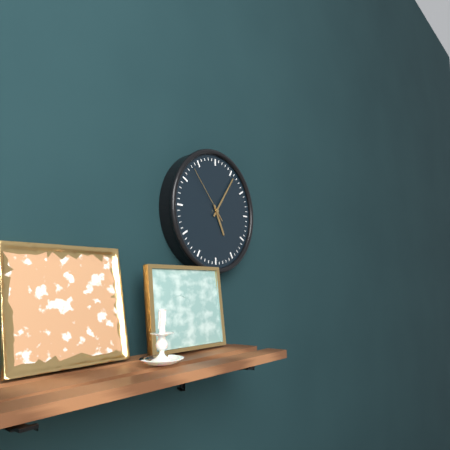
5.06.53
